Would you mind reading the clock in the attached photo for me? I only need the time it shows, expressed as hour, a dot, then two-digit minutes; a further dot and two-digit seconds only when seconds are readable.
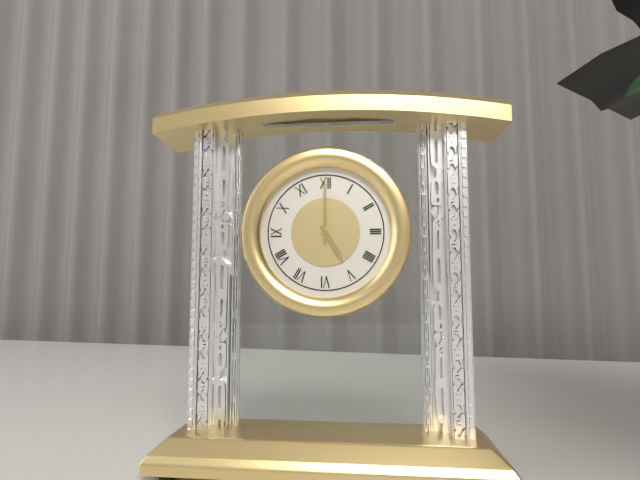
5.00
